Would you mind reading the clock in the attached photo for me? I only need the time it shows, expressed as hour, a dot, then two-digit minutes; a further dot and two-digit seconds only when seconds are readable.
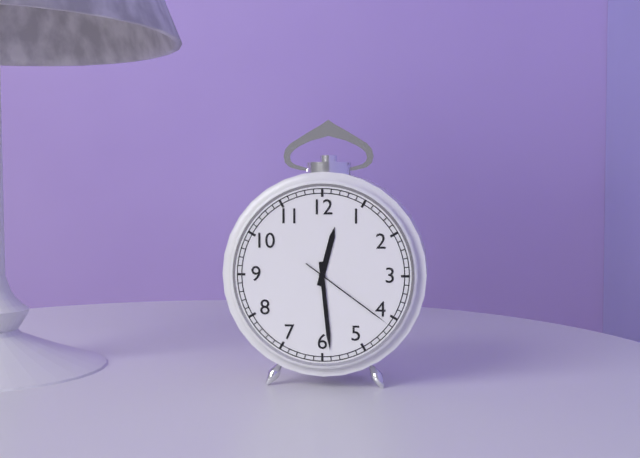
12.29.21
